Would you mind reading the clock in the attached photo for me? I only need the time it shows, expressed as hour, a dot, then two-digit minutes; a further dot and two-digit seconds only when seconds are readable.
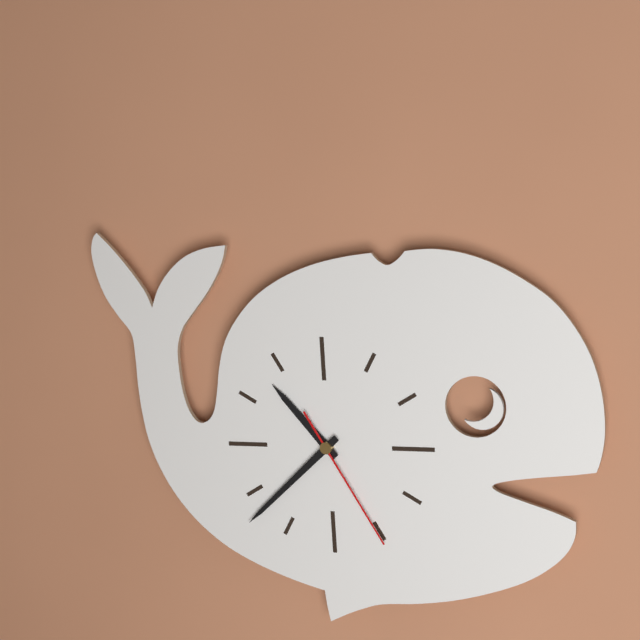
10.38.25
